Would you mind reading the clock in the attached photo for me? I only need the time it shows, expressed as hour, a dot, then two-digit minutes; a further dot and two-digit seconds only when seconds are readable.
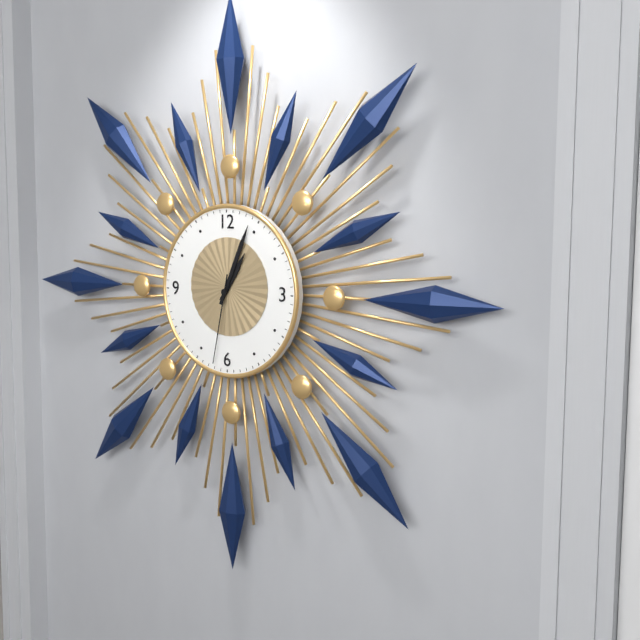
1.04.32
